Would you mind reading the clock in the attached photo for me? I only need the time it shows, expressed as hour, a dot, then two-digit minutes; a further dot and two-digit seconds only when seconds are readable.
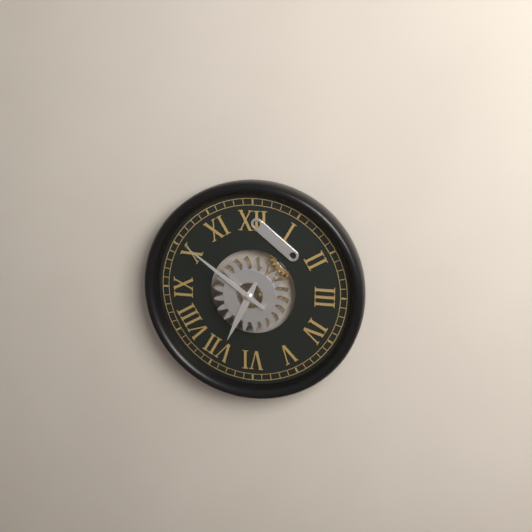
6.51
